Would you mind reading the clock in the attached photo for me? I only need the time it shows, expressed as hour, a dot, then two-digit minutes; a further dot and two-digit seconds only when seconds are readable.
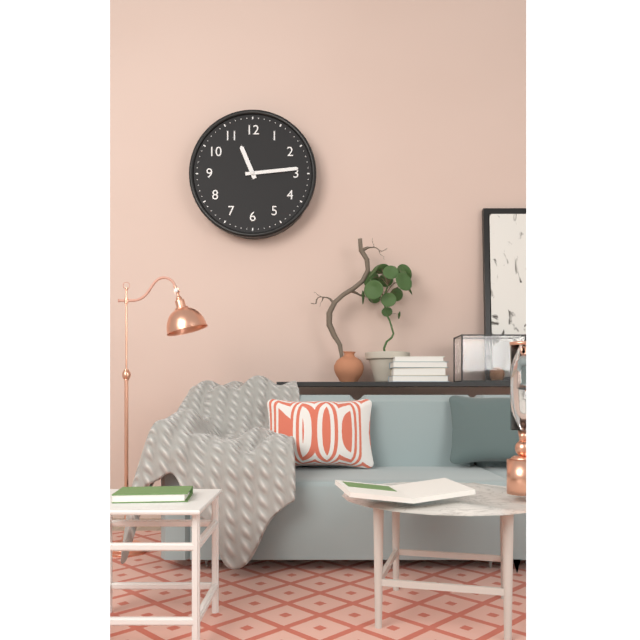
11.14
